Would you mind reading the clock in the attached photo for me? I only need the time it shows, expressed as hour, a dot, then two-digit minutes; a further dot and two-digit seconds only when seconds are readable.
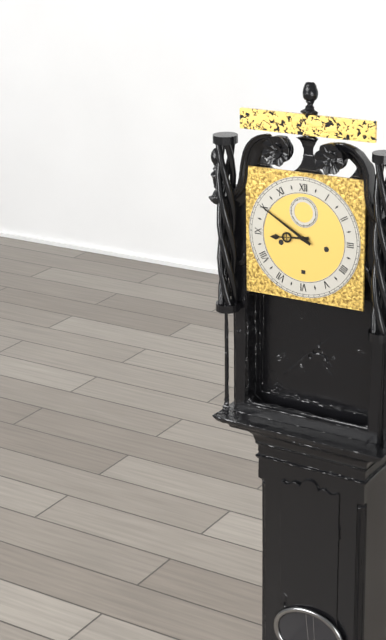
8.50
